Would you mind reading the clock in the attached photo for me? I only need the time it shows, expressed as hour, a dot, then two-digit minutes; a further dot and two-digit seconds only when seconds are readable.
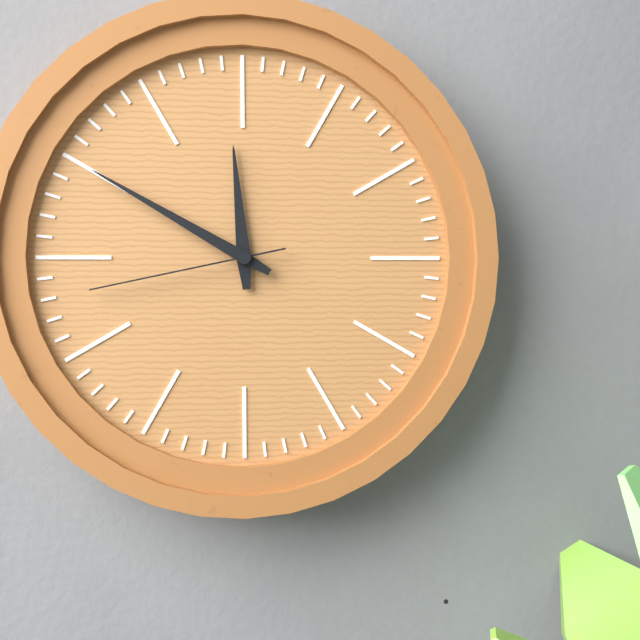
11.50.43
